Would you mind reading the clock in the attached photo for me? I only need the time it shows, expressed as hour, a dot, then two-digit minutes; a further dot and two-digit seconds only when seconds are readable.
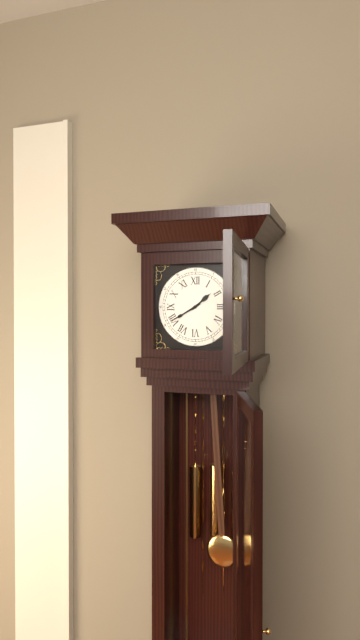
1.40
